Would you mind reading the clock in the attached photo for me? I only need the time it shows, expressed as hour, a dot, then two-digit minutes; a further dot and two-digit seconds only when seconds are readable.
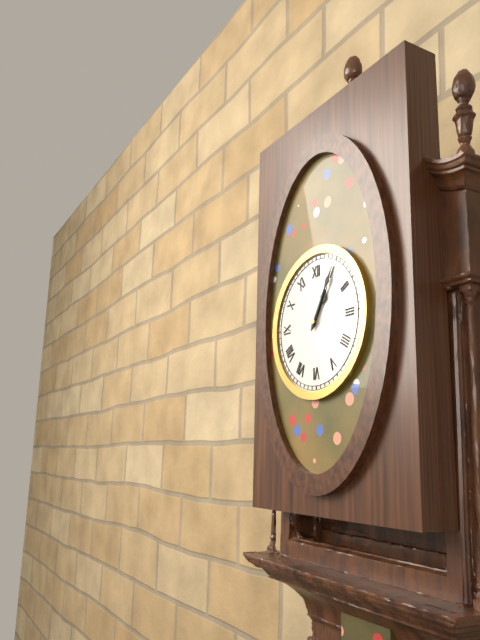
1.05
